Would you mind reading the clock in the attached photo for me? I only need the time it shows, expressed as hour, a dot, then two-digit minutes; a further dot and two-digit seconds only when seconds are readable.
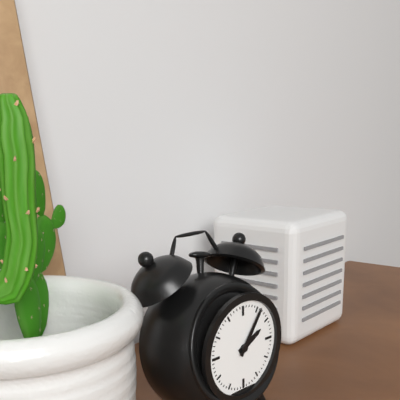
2.06
